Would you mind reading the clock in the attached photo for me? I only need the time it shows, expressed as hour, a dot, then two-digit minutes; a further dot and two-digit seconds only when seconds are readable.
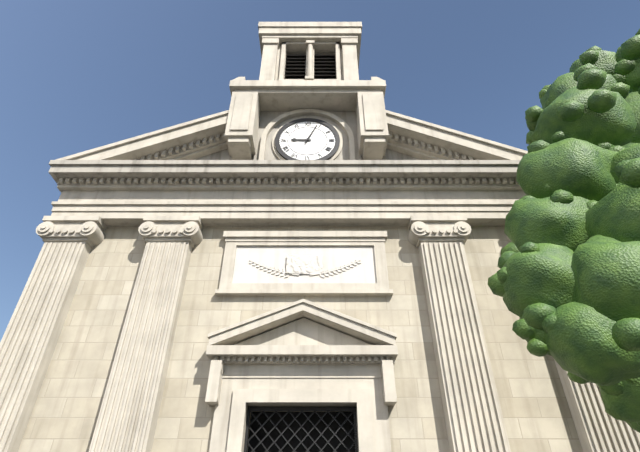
9.04
